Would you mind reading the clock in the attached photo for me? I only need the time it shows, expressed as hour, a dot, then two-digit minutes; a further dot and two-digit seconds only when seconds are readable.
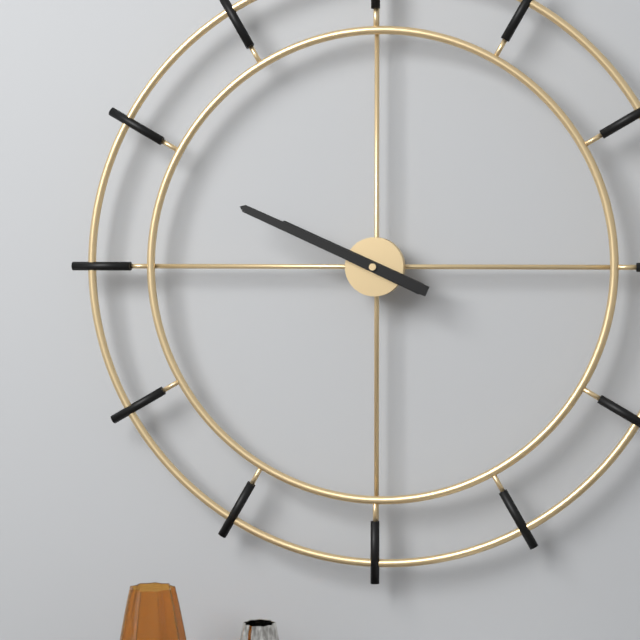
9.49
